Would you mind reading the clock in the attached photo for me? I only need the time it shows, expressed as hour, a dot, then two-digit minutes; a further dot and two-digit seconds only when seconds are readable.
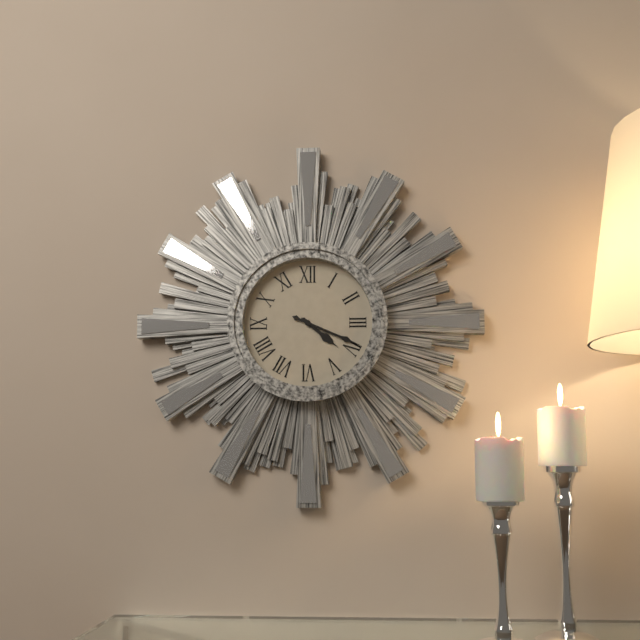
4.19
